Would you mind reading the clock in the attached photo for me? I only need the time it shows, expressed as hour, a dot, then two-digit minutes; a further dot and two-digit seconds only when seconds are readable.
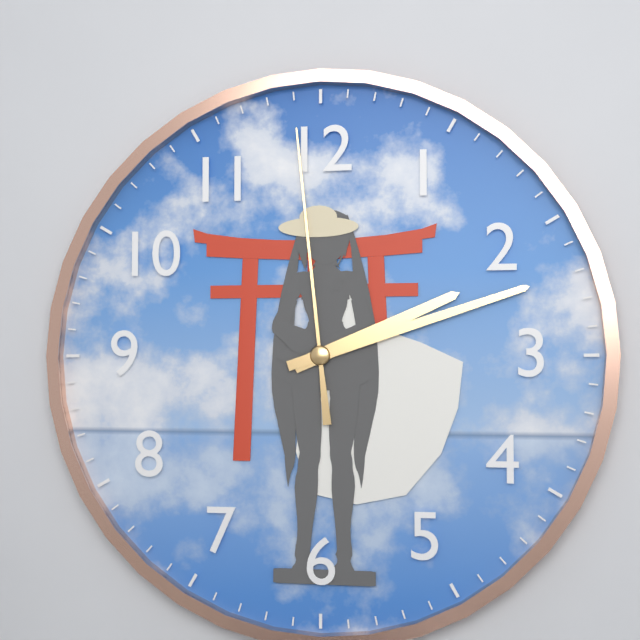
2.12.59
